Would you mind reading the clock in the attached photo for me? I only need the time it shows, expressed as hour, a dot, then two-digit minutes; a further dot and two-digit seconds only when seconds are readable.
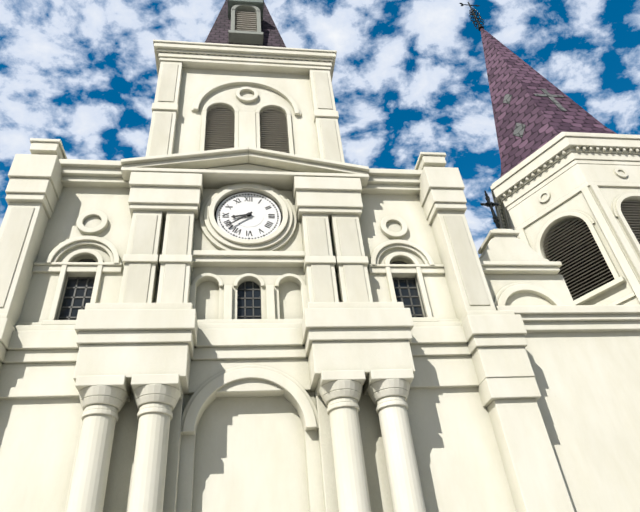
8.39
